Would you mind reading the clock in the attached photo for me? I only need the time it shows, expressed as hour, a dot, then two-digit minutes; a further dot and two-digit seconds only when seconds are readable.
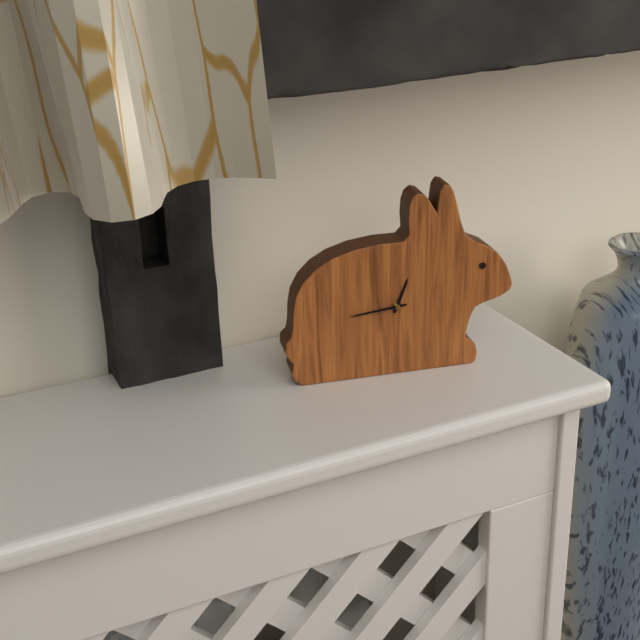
12.44
